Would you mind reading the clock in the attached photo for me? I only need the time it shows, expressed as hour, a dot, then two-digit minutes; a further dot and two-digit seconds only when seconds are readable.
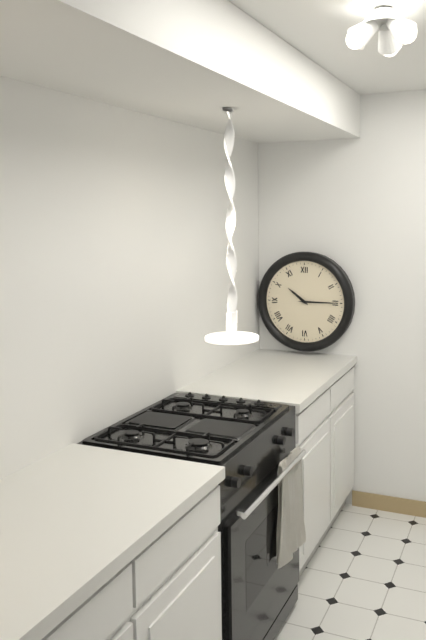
10.15
